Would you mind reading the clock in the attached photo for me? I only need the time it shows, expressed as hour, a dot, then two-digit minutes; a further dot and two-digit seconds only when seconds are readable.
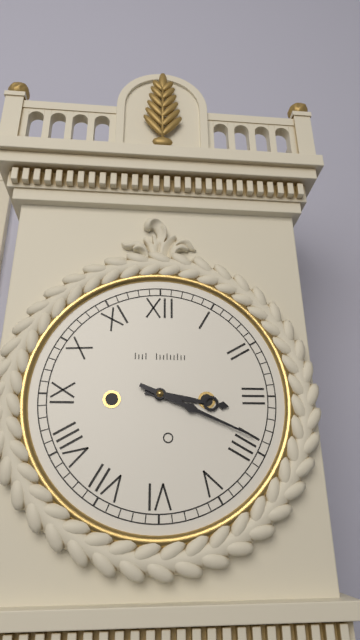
3.19
